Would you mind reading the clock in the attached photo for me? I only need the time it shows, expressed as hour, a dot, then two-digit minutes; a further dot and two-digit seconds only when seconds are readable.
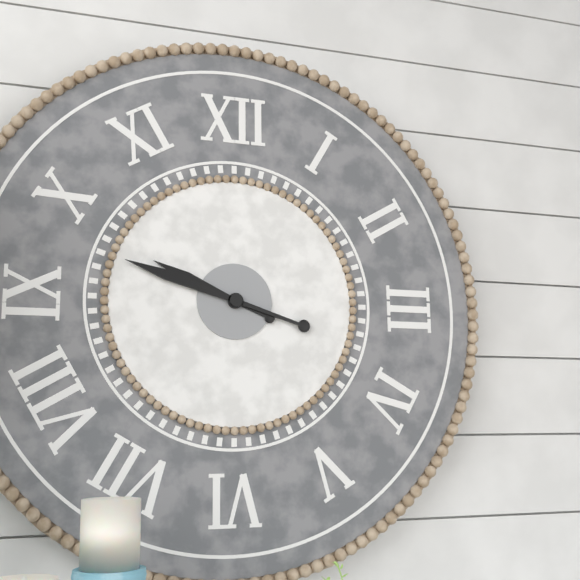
9.48
